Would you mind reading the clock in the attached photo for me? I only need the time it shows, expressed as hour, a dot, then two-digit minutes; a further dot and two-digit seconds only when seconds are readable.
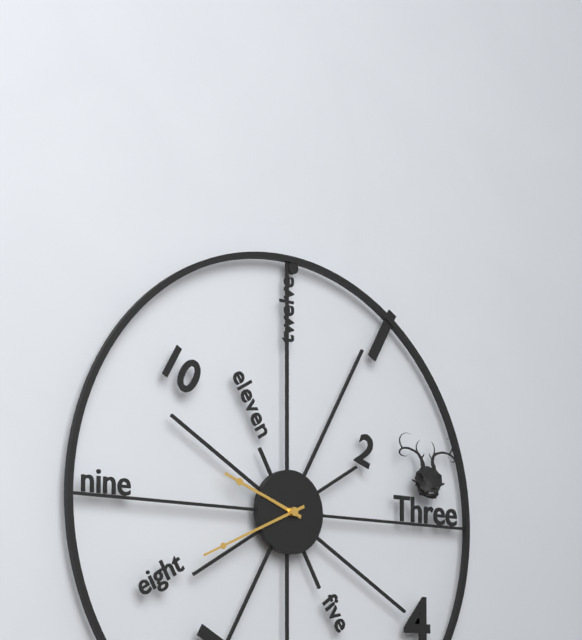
9.41
